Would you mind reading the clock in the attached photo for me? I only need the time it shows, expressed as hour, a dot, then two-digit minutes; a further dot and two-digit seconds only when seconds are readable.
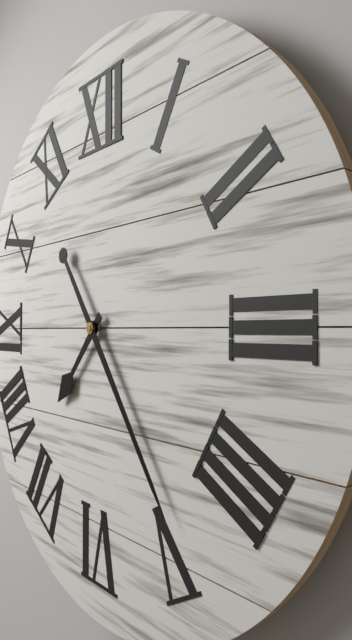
7.24
